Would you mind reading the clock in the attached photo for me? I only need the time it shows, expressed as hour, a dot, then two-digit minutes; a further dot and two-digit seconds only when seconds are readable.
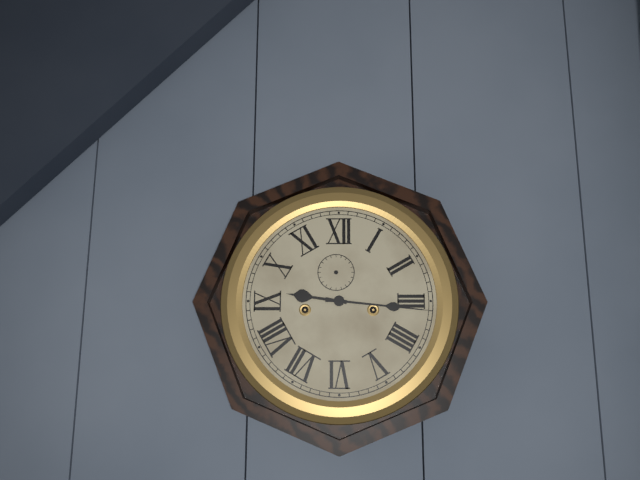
9.16
